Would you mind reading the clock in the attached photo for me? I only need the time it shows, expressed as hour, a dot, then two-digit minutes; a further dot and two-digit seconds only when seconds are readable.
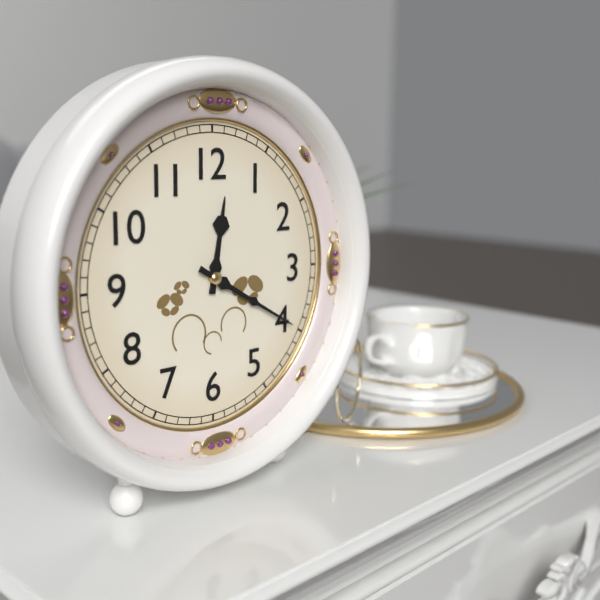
12.20
